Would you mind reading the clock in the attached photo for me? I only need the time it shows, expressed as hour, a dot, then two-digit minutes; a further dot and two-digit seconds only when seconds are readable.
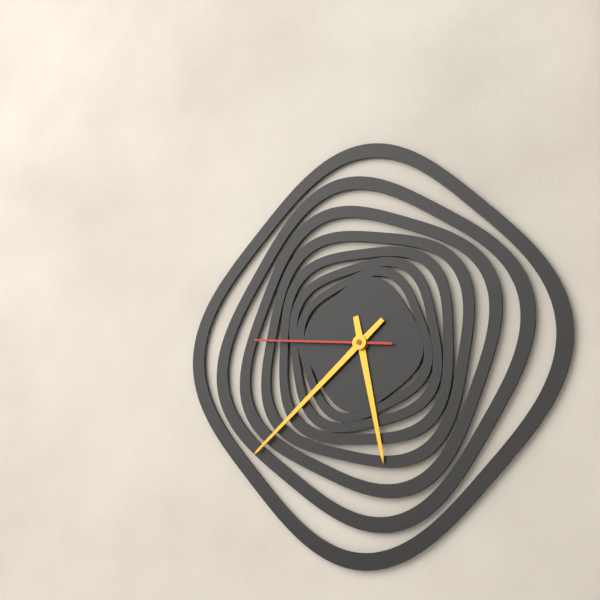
5.38.46
